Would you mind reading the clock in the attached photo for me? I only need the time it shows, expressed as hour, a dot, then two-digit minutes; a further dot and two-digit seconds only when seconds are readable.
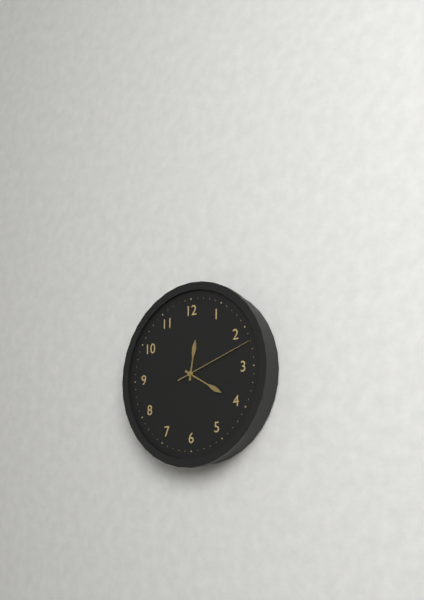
12.20.12
